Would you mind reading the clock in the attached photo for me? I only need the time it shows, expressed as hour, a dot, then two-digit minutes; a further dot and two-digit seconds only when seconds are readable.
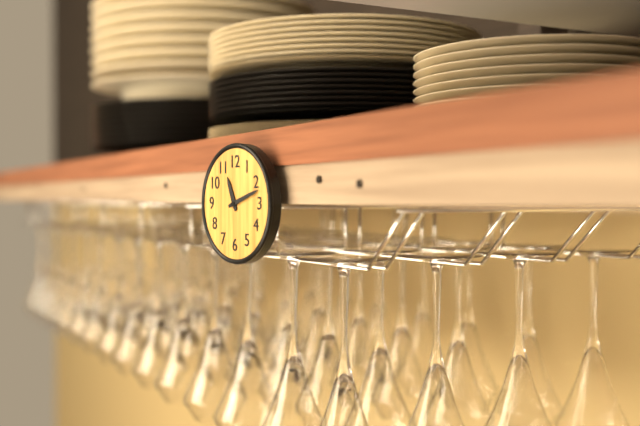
11.12
